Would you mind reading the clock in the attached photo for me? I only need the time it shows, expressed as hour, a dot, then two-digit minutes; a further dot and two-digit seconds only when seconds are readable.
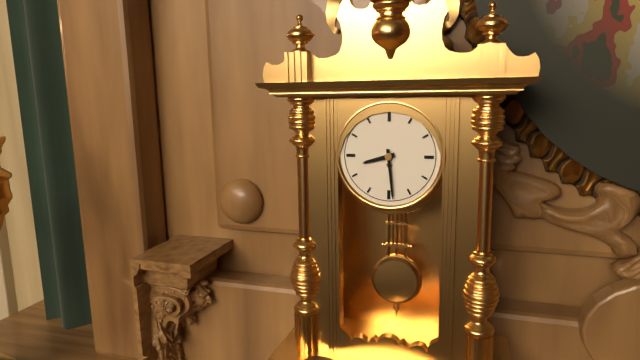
8.29
